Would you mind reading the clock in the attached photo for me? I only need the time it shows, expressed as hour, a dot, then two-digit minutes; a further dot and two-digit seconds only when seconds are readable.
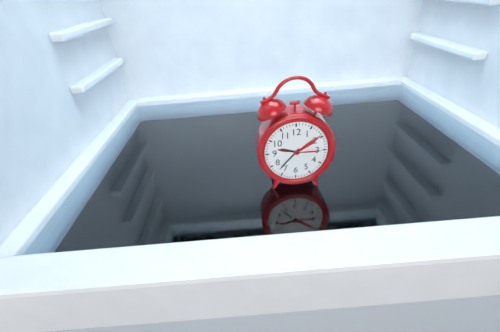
9.37
